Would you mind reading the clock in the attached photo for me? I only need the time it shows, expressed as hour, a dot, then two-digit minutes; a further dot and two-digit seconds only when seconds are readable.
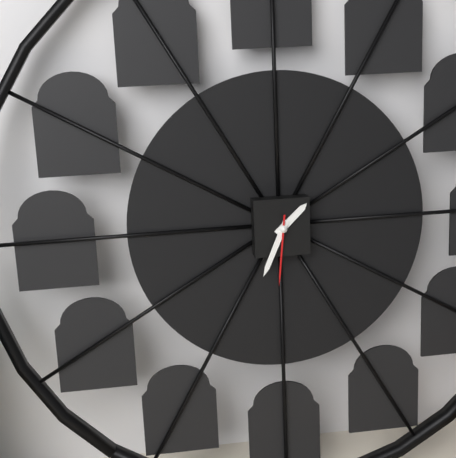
1.34.31
